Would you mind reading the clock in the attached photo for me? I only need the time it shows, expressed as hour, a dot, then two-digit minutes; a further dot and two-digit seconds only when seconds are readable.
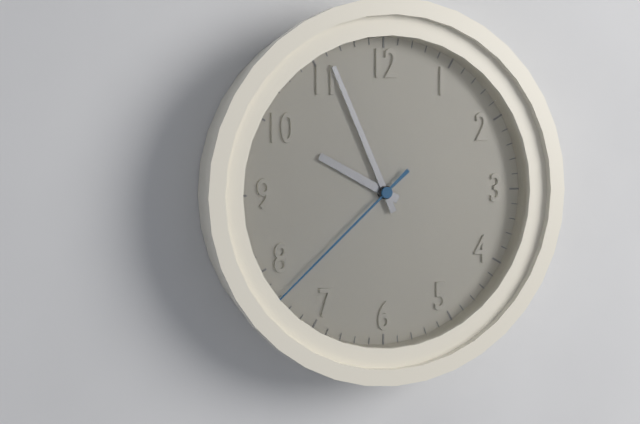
9.56.38
